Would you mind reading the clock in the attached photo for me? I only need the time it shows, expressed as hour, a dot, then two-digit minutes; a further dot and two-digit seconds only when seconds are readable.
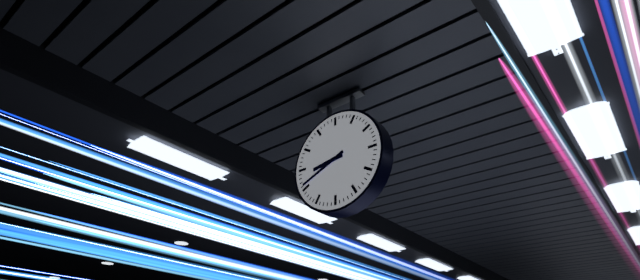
8.41
